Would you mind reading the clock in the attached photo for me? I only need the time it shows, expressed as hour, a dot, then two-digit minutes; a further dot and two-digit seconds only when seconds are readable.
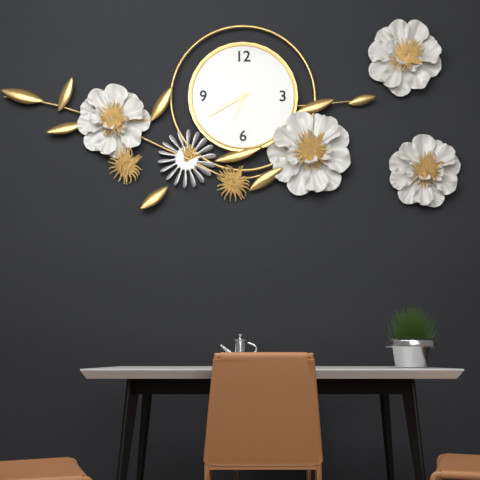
6.40
